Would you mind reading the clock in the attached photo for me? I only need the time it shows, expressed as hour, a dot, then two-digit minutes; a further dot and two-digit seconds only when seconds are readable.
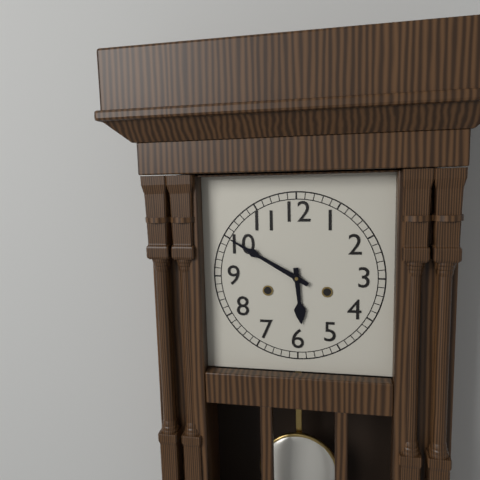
5.50
